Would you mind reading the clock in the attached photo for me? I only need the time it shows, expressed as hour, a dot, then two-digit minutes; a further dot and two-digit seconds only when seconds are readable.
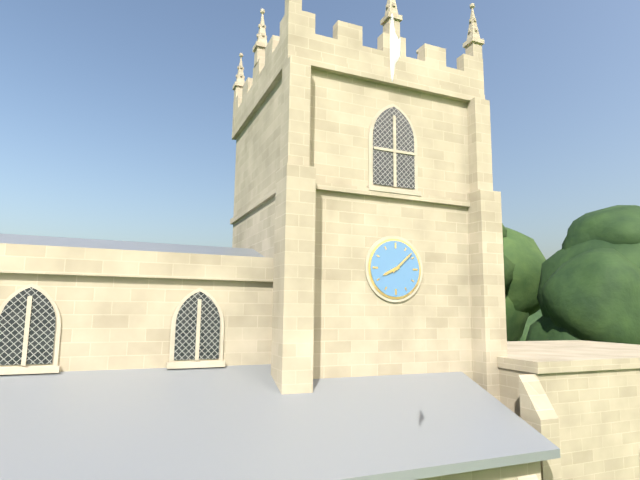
8.08
